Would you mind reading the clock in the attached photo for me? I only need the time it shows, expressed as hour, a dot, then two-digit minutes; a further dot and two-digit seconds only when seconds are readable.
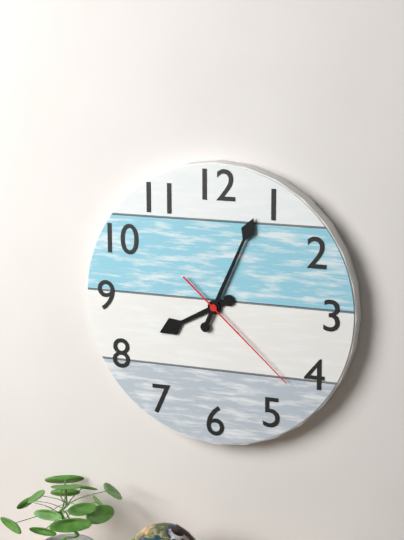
8.04.22
